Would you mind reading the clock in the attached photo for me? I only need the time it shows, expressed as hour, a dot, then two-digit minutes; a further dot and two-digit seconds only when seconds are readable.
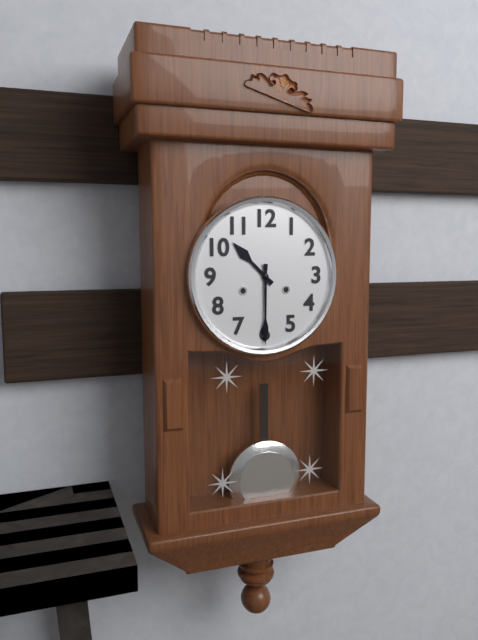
10.30
